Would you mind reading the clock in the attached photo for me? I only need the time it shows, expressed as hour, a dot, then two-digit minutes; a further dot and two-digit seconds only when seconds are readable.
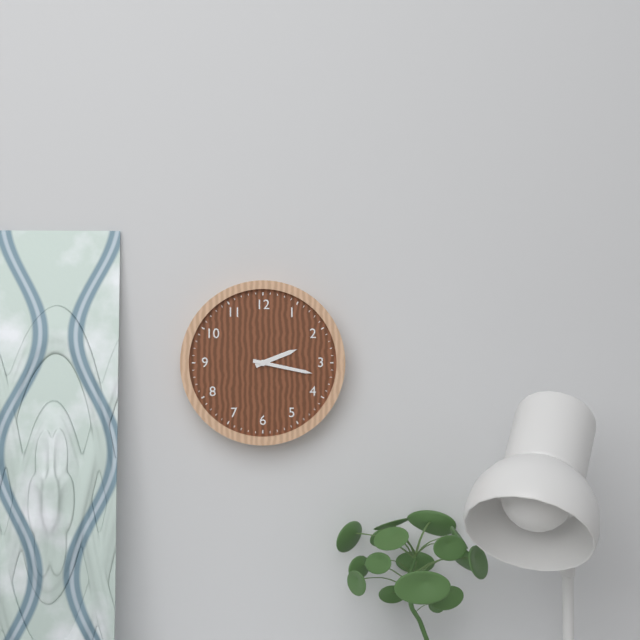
2.17
